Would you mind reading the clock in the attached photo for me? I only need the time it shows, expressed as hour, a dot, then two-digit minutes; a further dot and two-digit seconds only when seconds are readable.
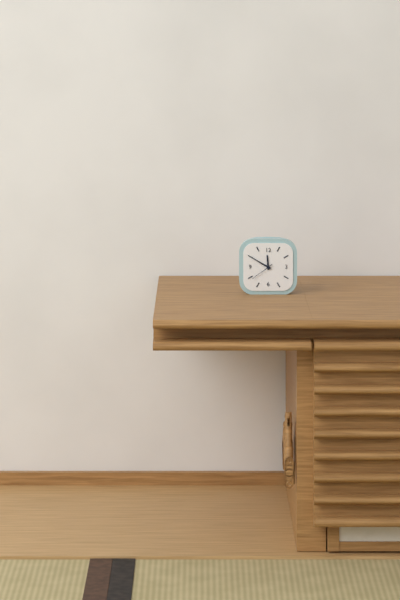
11.50
